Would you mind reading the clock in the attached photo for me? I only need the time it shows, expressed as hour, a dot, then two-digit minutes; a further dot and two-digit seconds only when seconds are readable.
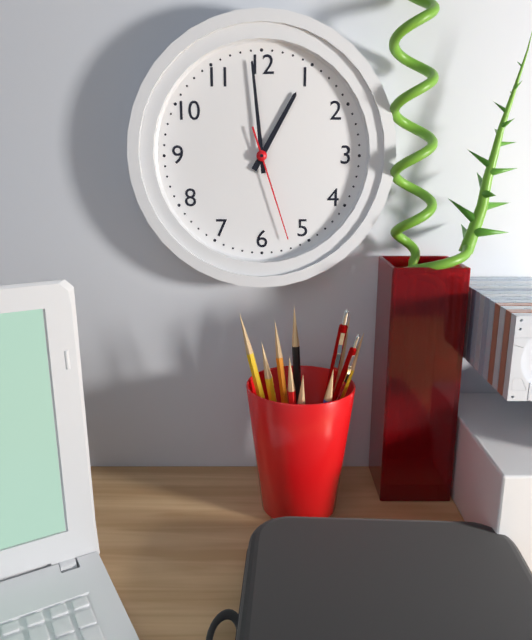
12.59.27
